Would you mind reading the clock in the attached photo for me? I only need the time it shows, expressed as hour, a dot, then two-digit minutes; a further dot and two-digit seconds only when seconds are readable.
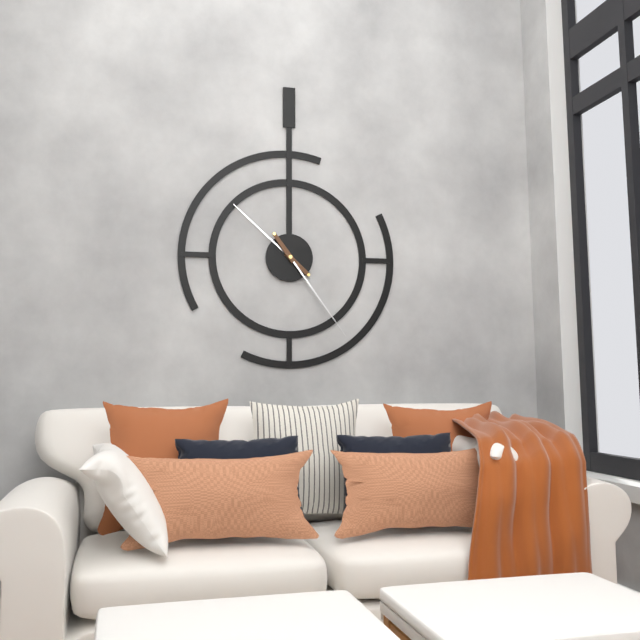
10.24
